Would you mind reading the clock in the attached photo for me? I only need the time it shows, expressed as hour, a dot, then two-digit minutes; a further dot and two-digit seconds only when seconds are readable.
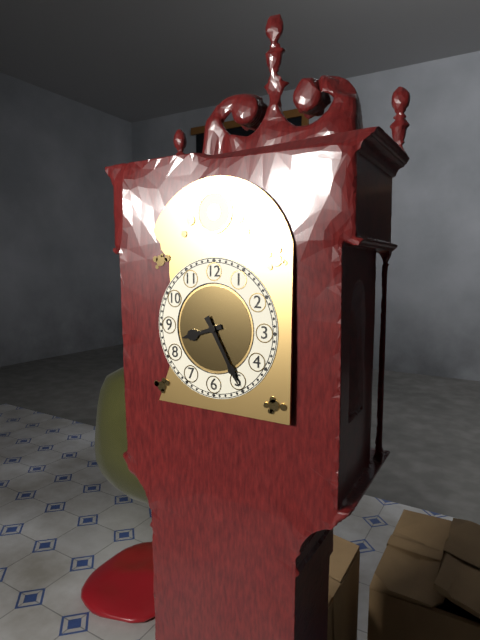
8.25
